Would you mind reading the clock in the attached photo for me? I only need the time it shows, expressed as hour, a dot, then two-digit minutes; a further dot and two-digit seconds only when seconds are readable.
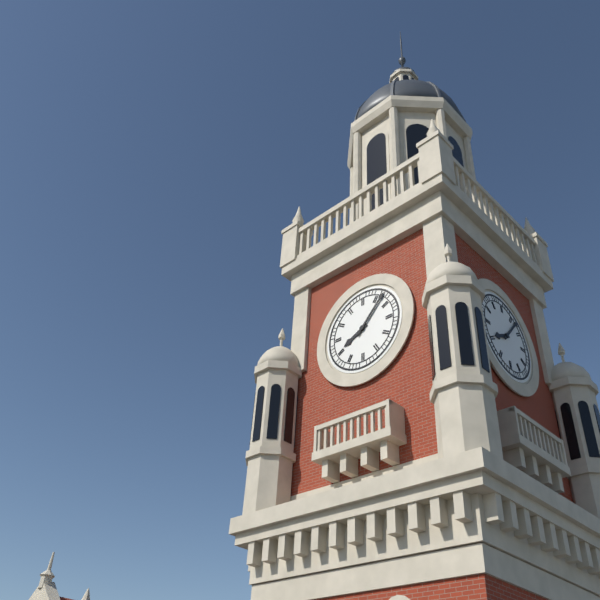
8.07
